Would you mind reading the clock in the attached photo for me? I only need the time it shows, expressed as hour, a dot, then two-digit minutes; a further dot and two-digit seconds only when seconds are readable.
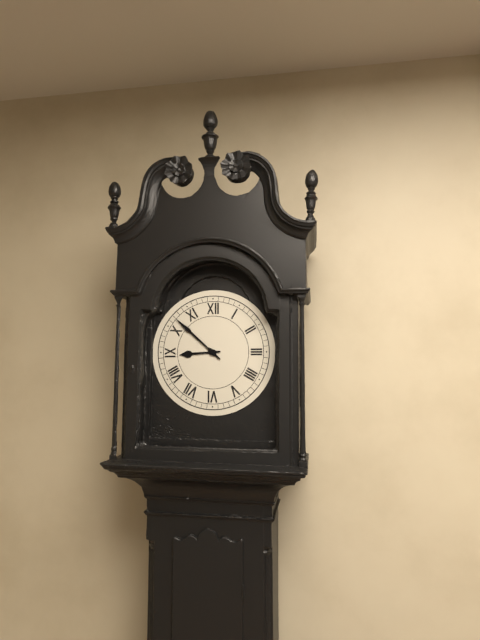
8.52
